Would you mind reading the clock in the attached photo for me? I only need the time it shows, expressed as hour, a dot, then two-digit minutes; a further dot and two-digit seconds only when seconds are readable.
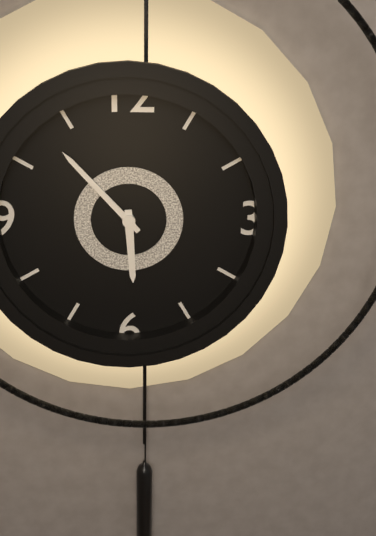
5.53
